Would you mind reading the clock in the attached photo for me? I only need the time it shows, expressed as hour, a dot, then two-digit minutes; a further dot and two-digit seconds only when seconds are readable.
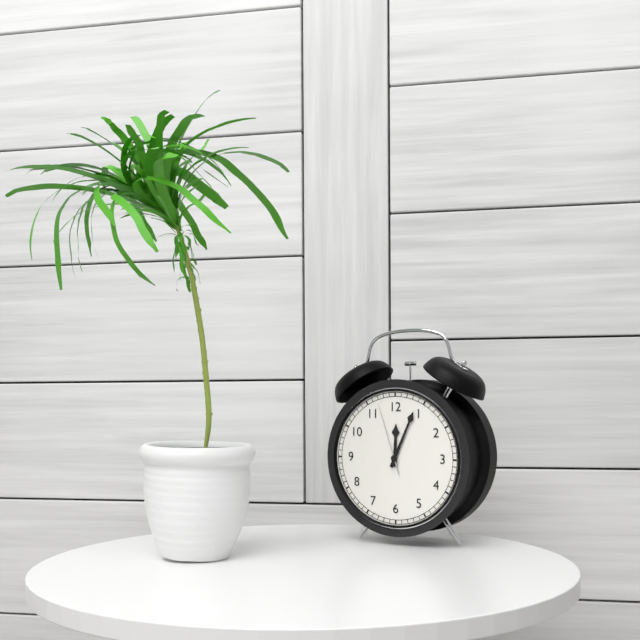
12.04.57
